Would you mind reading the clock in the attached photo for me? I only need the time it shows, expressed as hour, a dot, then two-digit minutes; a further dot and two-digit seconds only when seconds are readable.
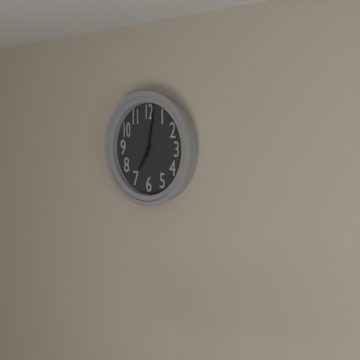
7.02
